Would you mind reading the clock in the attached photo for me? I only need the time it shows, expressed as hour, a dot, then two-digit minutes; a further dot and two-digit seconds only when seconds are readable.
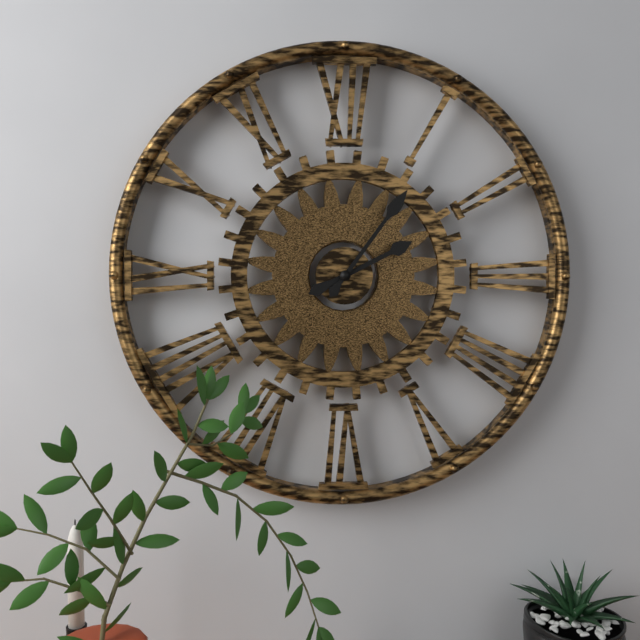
2.06
